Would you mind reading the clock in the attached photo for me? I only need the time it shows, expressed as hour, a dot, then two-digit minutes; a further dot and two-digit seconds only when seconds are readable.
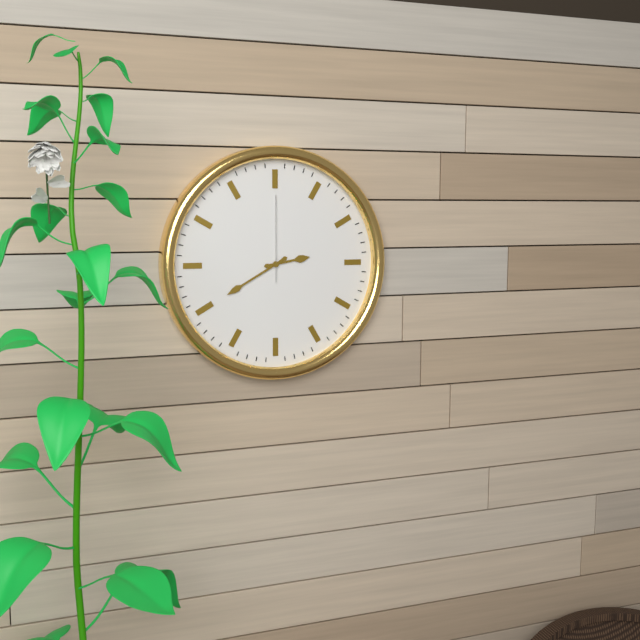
2.40.00
